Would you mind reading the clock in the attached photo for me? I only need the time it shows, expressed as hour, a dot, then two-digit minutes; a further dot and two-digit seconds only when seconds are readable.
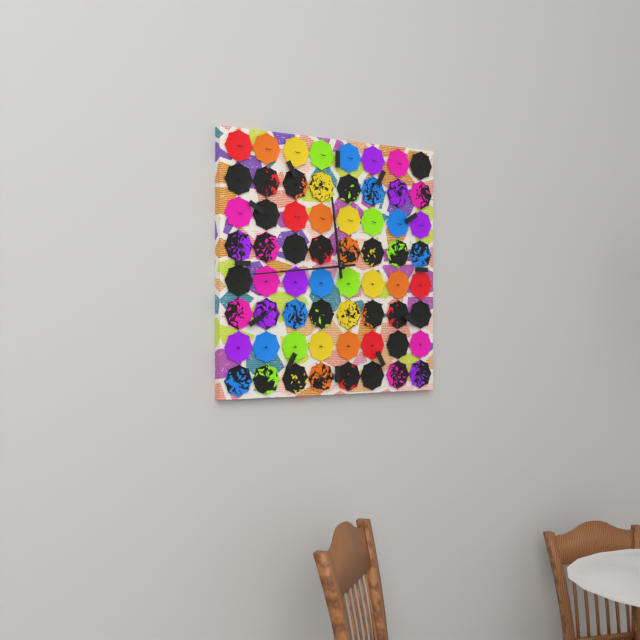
11.44
